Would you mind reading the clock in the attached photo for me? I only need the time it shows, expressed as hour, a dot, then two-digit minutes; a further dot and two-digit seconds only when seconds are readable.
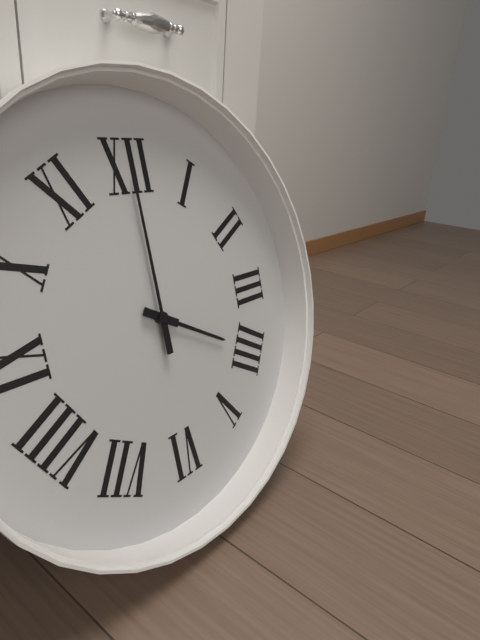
4.00
